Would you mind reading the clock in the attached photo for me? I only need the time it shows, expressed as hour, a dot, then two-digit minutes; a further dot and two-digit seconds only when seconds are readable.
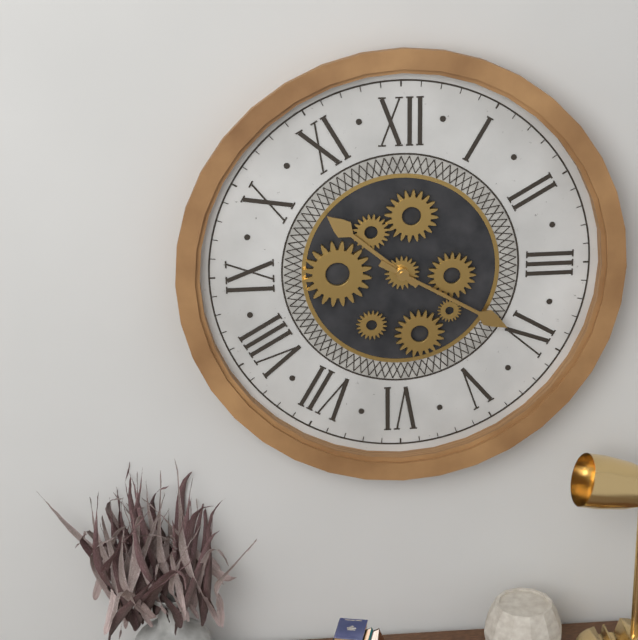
10.20
